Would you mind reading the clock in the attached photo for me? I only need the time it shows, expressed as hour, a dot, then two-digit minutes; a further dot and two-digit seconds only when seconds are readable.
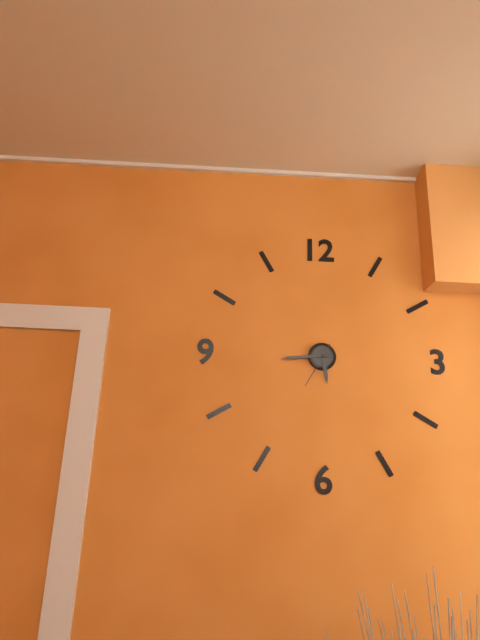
5.44
